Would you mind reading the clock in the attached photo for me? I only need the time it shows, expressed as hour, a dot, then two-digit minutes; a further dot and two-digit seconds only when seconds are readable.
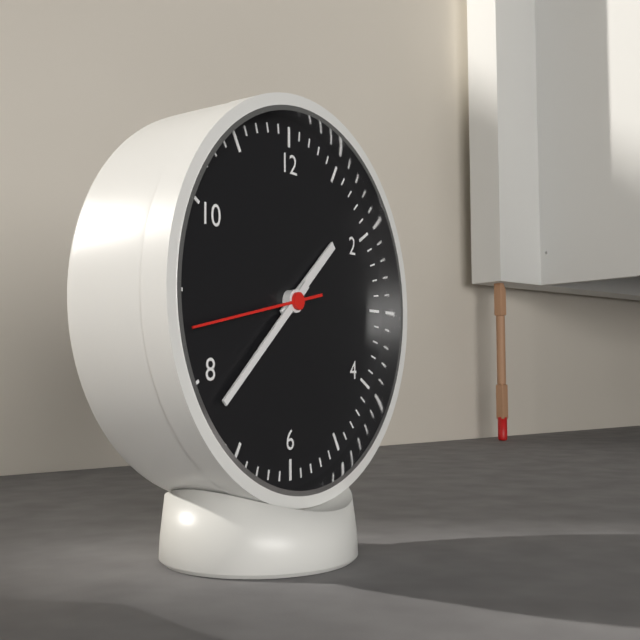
1.38.43
